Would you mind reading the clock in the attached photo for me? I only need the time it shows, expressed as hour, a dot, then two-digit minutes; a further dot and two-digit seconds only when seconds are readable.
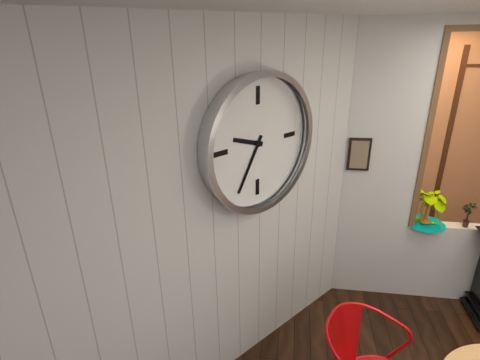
9.35
